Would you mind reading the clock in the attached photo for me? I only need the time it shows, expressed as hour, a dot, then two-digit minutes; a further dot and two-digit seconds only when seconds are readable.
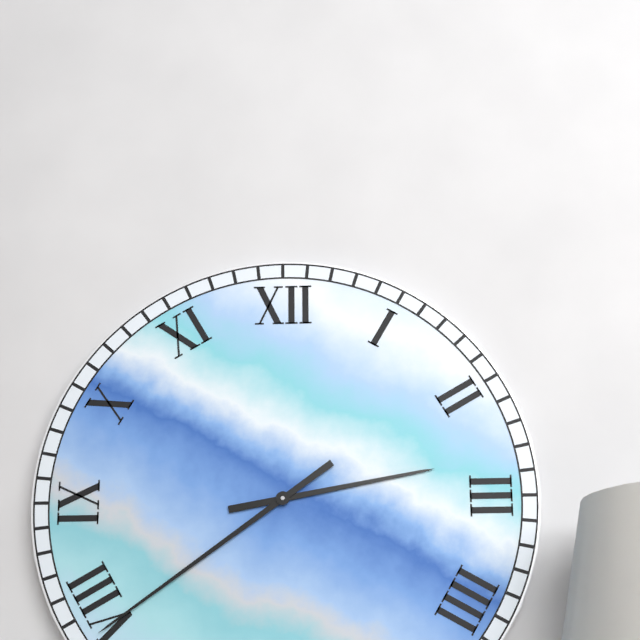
2.39
